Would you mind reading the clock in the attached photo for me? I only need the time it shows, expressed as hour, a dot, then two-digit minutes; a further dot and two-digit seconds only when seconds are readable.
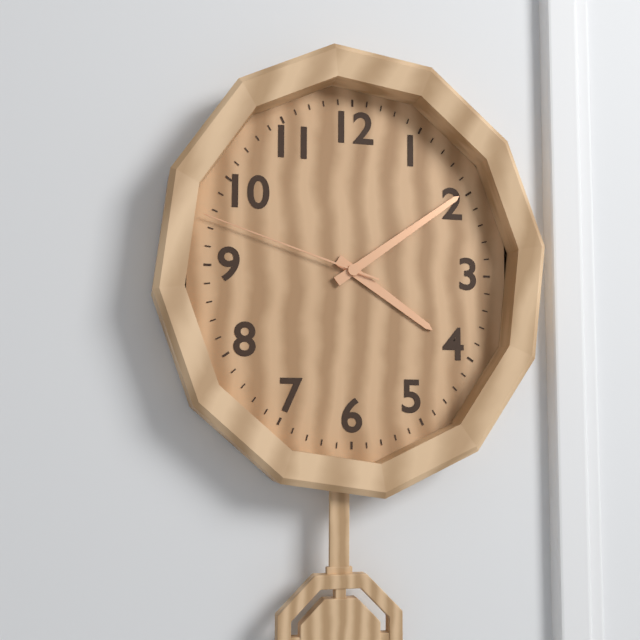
4.09.48
